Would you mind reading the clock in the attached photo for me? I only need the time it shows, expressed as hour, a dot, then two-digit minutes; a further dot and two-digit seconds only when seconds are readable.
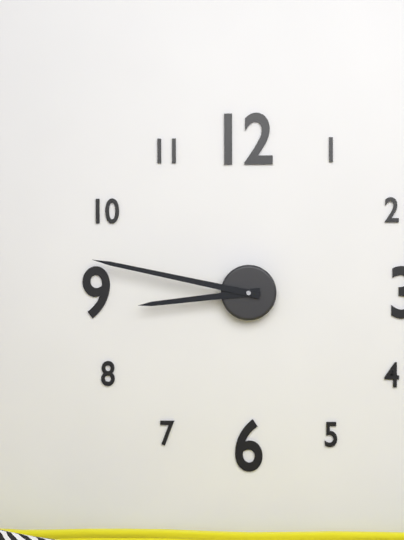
8.47
